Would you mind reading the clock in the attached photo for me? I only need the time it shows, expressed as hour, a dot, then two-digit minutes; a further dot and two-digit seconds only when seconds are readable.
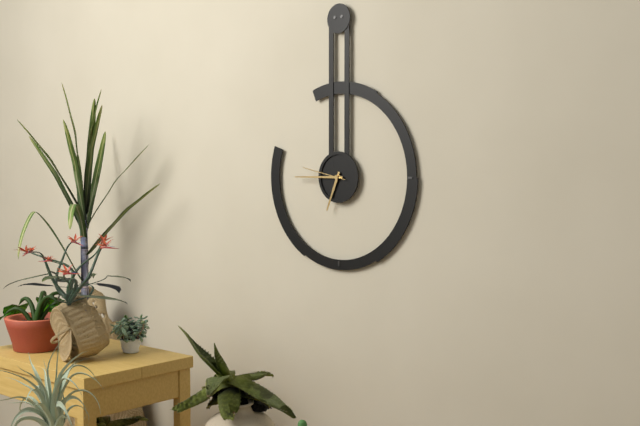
6.45
